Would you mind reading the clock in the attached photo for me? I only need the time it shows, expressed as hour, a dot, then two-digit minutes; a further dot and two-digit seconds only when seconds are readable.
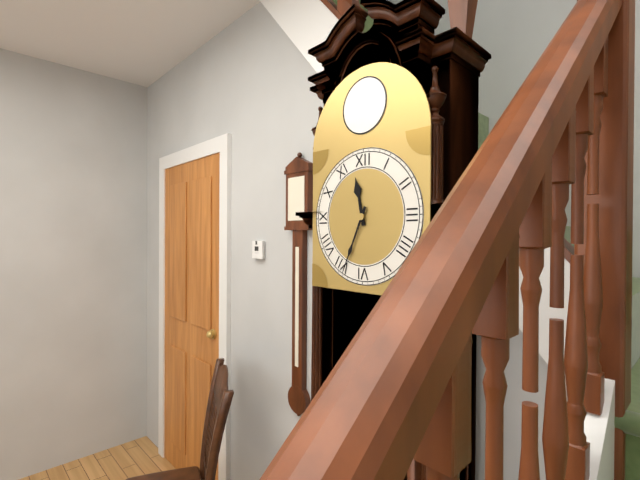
11.34
